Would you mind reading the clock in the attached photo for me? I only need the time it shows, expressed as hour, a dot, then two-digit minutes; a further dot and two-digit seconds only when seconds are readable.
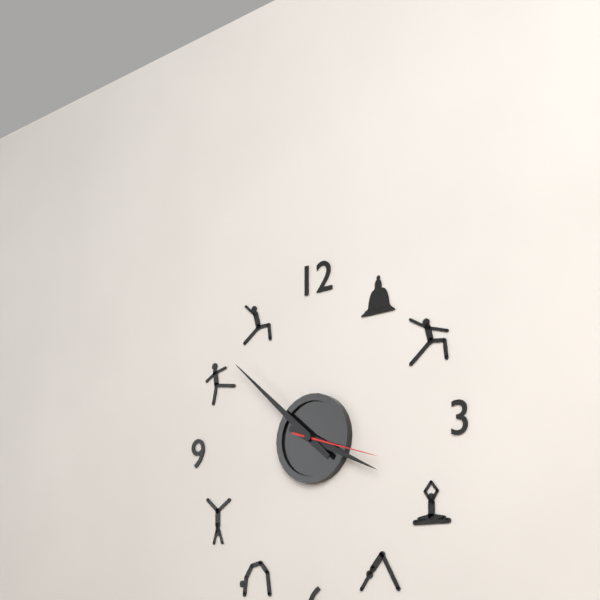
3.52.18
